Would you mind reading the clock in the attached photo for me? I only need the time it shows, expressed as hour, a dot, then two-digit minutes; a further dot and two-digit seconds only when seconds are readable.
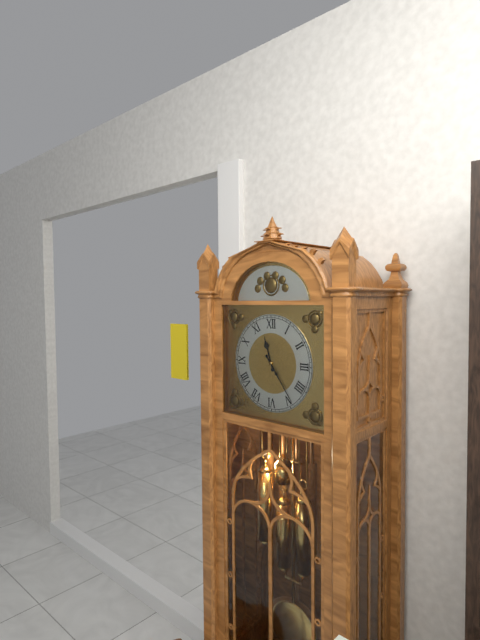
11.24
